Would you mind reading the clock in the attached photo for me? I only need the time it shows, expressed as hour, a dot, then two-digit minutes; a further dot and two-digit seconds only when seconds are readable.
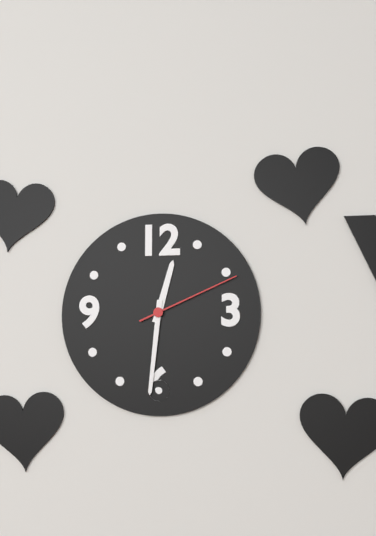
12.31.11
